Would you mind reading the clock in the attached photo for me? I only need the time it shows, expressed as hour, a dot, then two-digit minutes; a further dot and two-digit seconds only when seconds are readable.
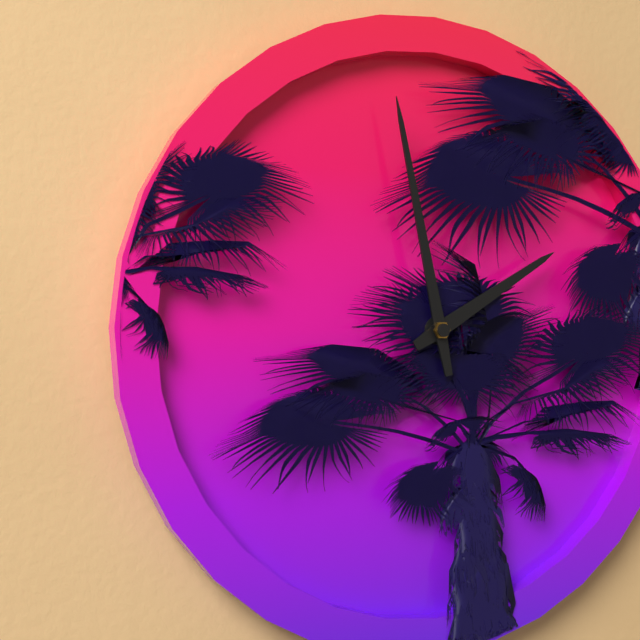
1.58
